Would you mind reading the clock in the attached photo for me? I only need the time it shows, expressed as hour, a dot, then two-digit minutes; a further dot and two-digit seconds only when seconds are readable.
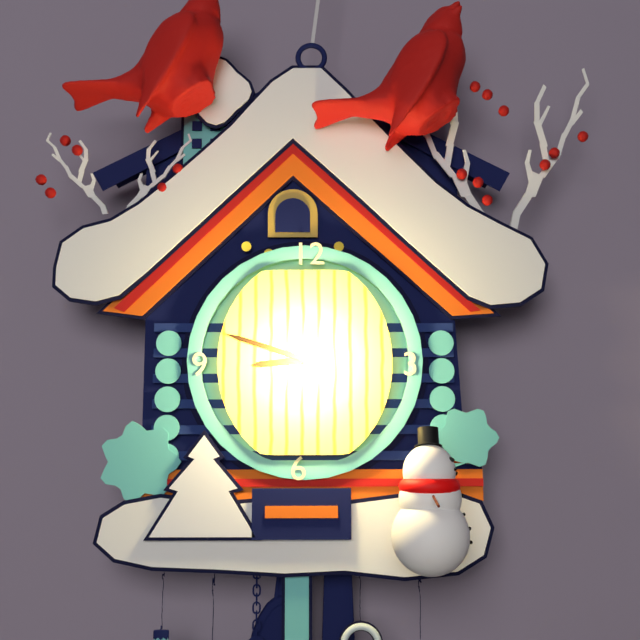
8.48
